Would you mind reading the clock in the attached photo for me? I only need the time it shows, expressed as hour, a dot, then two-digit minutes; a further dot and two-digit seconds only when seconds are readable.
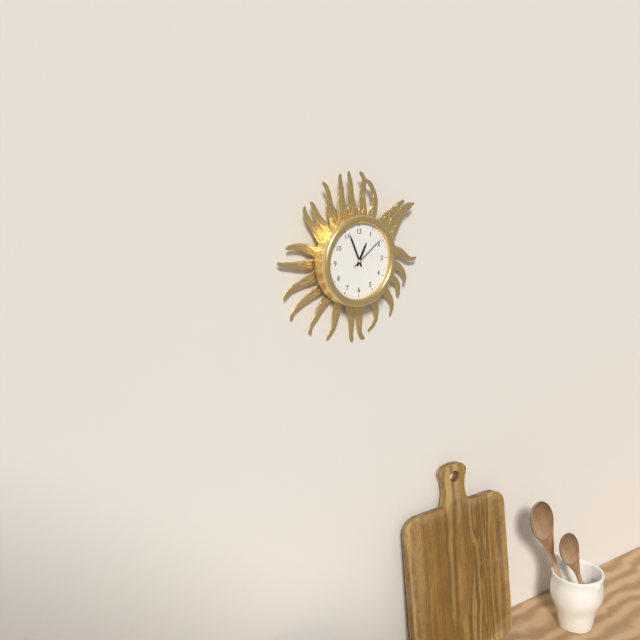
12.56
